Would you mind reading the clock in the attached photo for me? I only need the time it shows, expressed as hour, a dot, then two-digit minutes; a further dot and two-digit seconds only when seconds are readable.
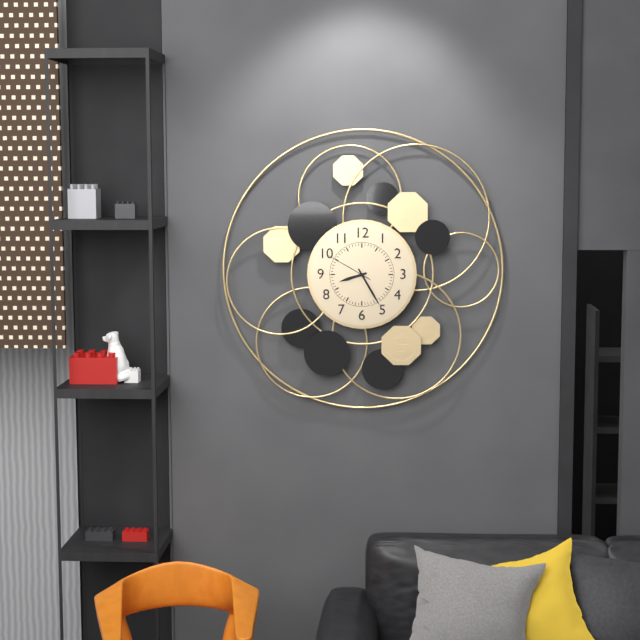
8.25
